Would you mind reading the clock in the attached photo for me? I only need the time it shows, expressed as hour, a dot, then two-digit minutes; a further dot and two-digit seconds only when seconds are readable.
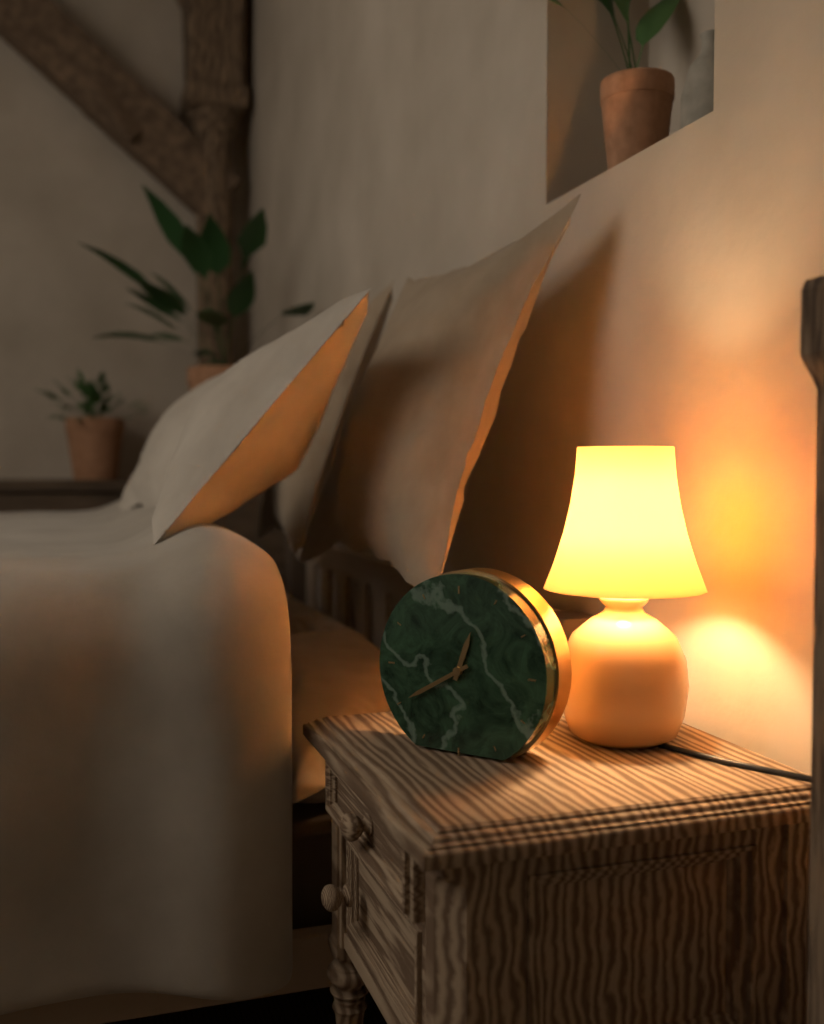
12.40
